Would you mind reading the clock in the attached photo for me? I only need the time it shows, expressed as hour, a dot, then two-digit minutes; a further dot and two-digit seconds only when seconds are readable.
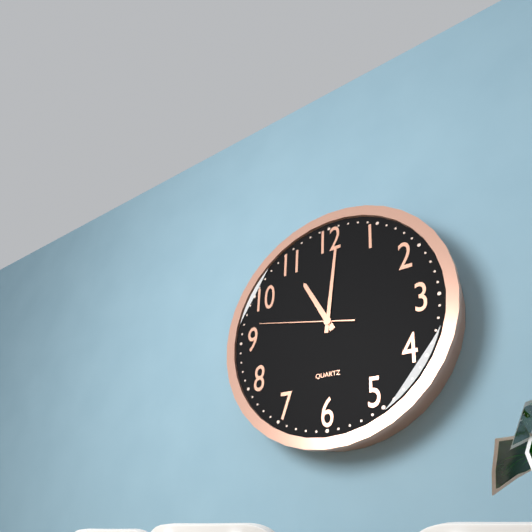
11.01.47
